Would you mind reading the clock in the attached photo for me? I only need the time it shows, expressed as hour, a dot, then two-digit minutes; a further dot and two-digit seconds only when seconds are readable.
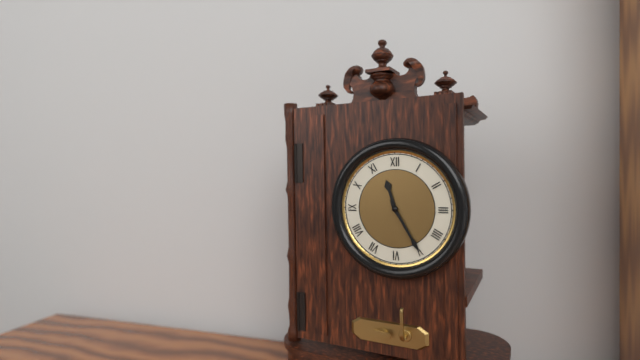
11.25
